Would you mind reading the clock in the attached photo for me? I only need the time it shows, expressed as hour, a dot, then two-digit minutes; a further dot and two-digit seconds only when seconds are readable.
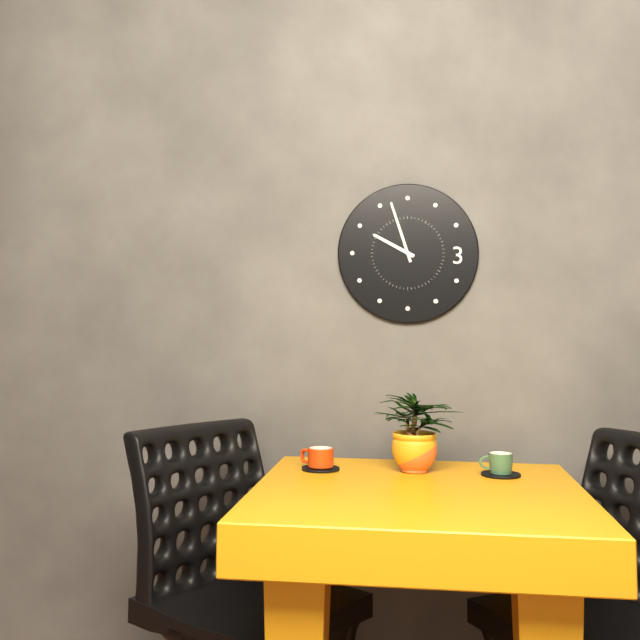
9.57
